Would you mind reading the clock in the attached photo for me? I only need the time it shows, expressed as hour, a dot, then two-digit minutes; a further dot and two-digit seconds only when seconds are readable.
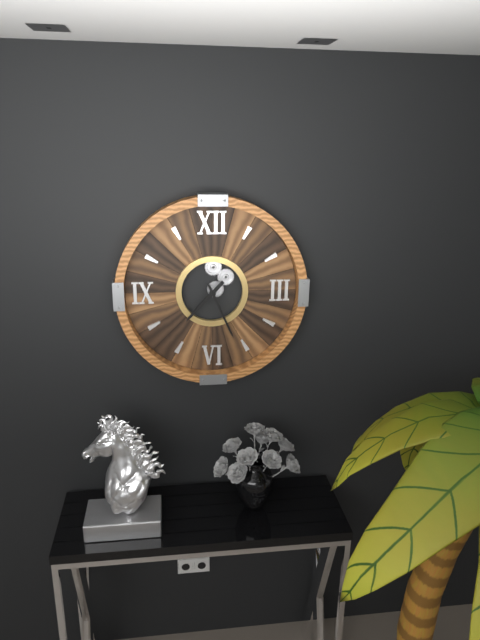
7.26
